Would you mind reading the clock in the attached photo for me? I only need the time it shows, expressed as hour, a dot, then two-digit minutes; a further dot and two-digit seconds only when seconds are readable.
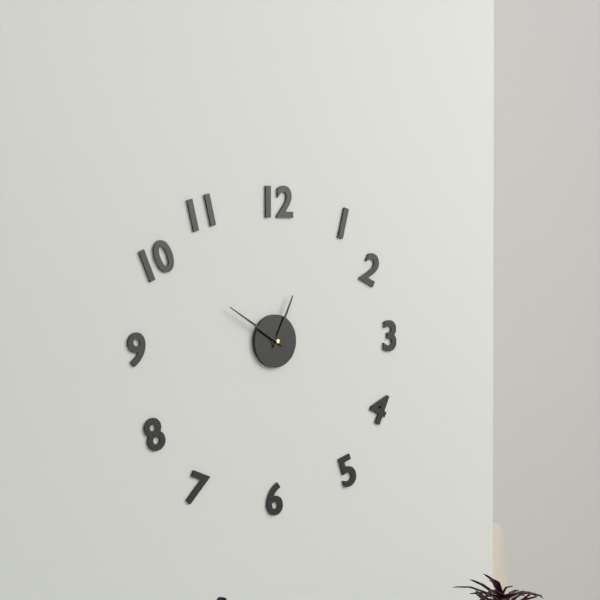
12.50
